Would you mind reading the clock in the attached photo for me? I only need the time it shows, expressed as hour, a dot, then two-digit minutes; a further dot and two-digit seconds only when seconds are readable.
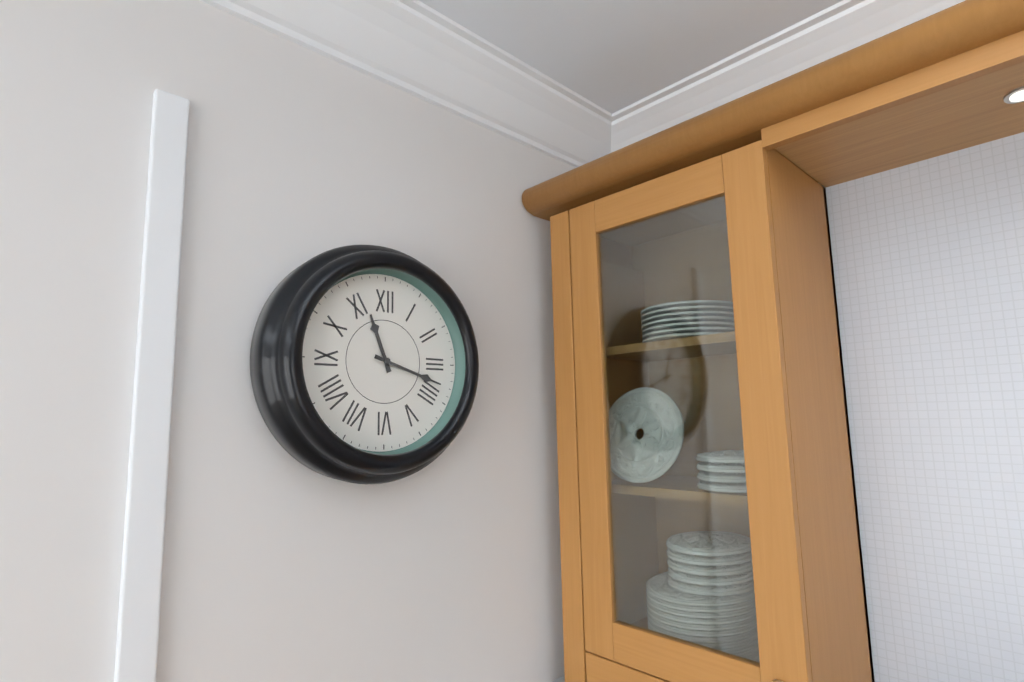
11.18
